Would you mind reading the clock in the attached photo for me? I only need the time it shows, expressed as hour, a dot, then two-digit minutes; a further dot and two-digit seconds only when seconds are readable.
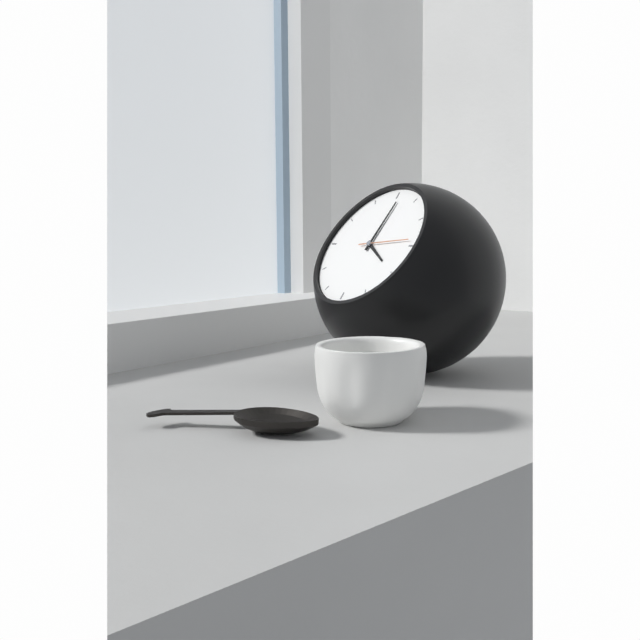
4.01
